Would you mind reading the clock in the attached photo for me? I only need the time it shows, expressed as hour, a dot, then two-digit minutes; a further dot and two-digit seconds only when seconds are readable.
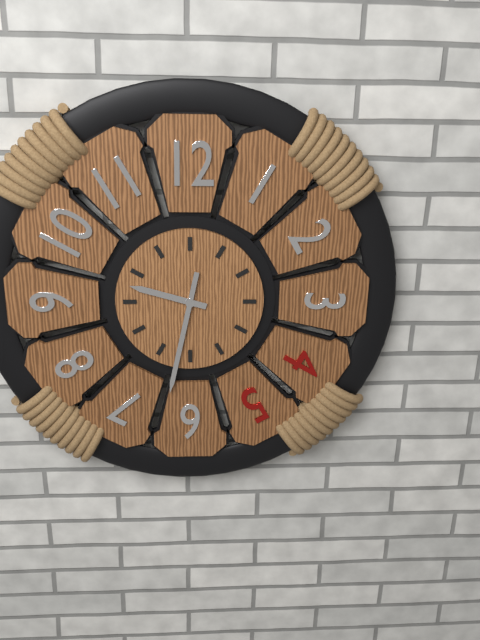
9.32
